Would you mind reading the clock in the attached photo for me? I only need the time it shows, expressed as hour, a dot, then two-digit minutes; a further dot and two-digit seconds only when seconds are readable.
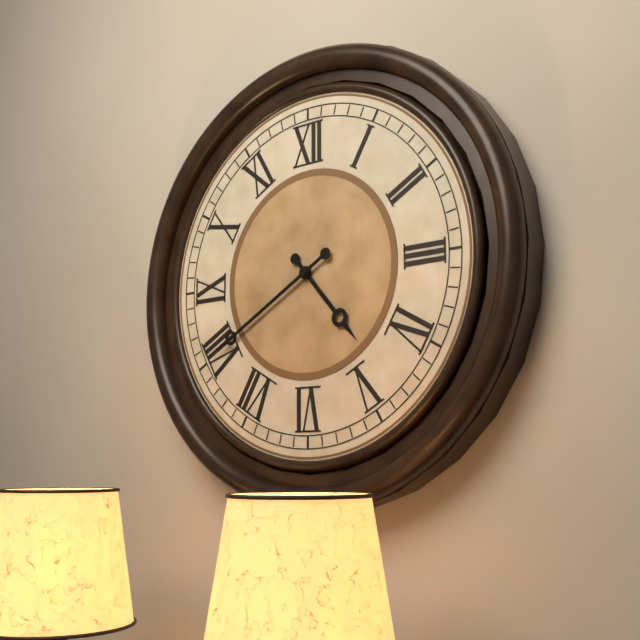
4.40
